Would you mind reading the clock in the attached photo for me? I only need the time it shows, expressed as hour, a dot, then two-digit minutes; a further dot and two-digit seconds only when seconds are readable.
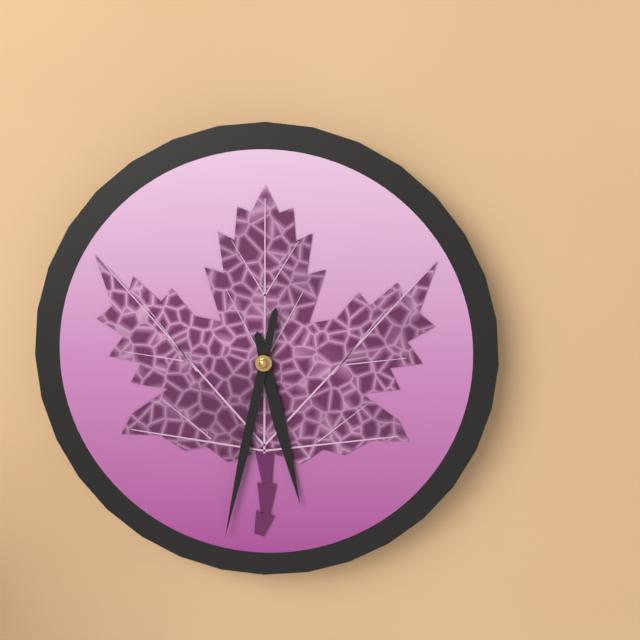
5.32
